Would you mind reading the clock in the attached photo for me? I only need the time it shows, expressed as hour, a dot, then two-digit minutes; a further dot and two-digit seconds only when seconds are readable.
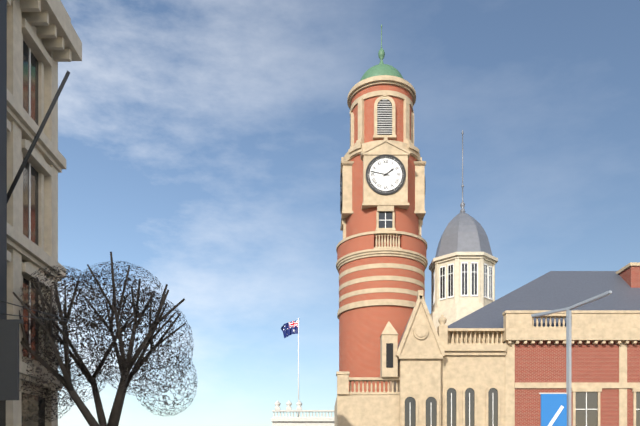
1.47
